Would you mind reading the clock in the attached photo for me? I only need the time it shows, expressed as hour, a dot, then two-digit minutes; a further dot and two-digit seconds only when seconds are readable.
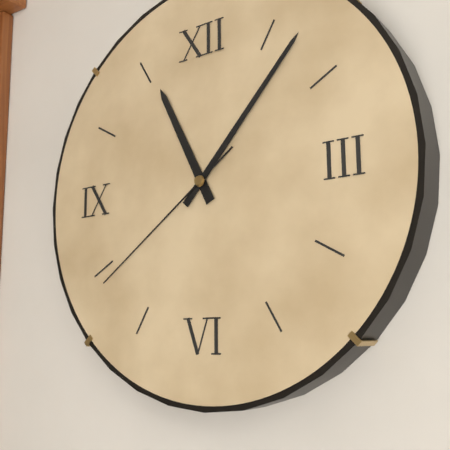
11.07.39
